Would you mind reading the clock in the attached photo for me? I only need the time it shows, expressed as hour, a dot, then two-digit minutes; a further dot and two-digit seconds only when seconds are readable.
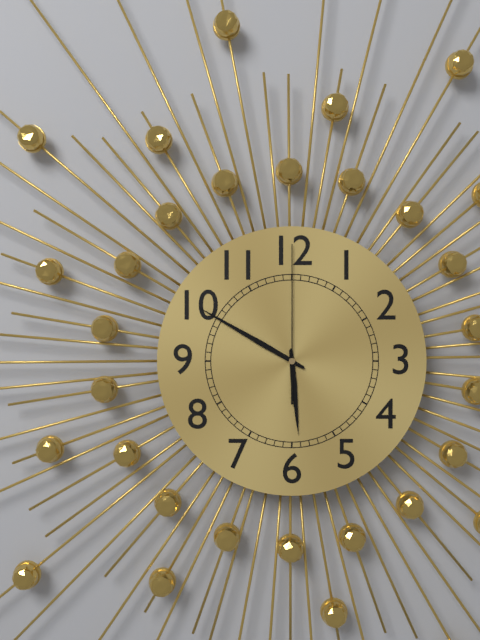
5.50.00
